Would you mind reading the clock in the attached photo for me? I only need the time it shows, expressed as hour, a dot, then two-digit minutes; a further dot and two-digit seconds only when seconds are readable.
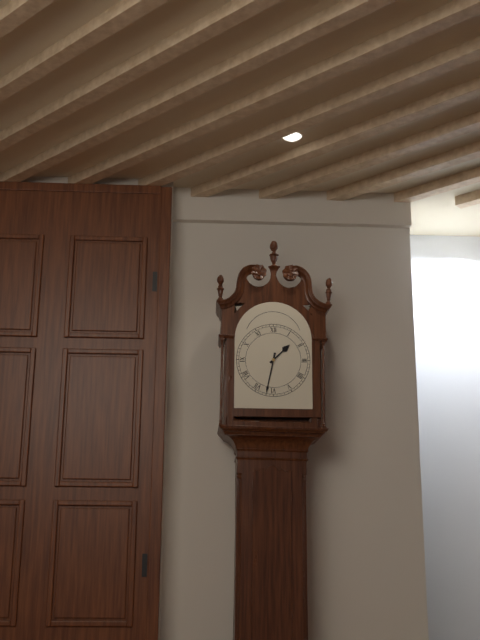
1.32
